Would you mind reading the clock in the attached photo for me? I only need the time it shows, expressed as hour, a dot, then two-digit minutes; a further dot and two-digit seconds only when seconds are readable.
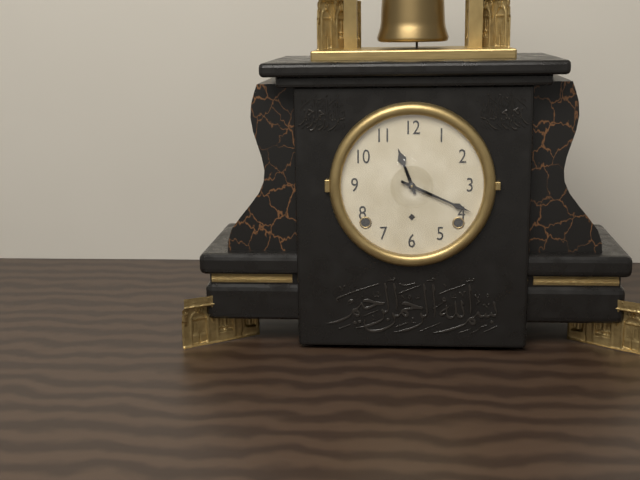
11.19
